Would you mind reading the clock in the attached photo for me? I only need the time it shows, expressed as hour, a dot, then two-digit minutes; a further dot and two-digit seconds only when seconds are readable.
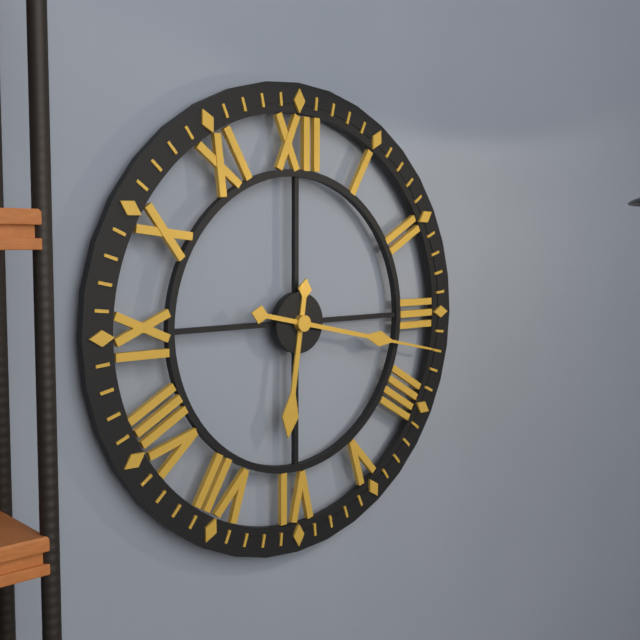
6.17
